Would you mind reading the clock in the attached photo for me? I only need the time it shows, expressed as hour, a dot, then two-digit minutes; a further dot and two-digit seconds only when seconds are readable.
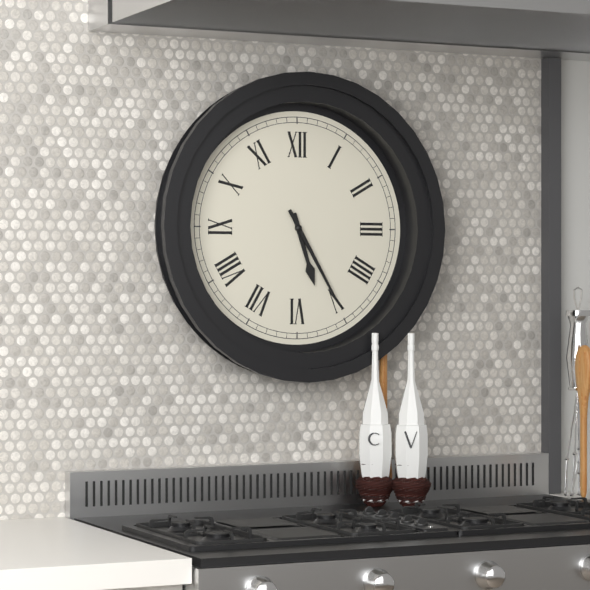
5.25
